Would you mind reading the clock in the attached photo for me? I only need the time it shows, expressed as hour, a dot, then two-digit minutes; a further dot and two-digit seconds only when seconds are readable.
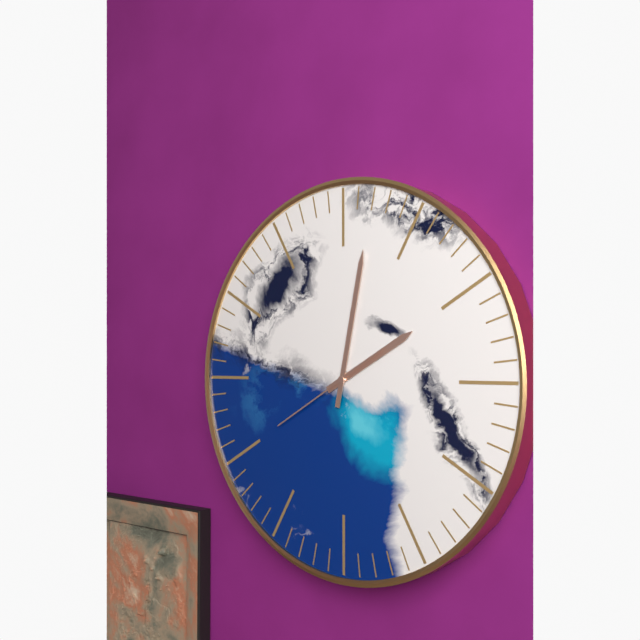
2.02.40
